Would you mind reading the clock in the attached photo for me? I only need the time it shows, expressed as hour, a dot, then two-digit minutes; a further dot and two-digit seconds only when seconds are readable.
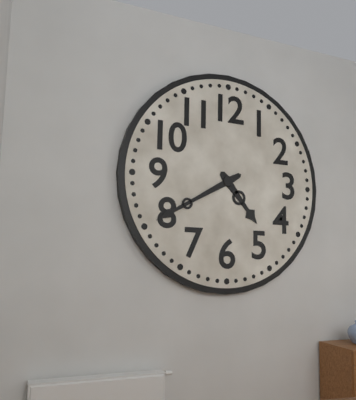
4.40
